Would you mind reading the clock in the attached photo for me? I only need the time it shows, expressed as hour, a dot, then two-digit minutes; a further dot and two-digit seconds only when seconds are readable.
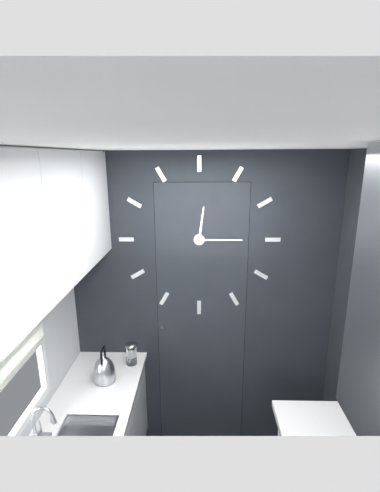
12.15
